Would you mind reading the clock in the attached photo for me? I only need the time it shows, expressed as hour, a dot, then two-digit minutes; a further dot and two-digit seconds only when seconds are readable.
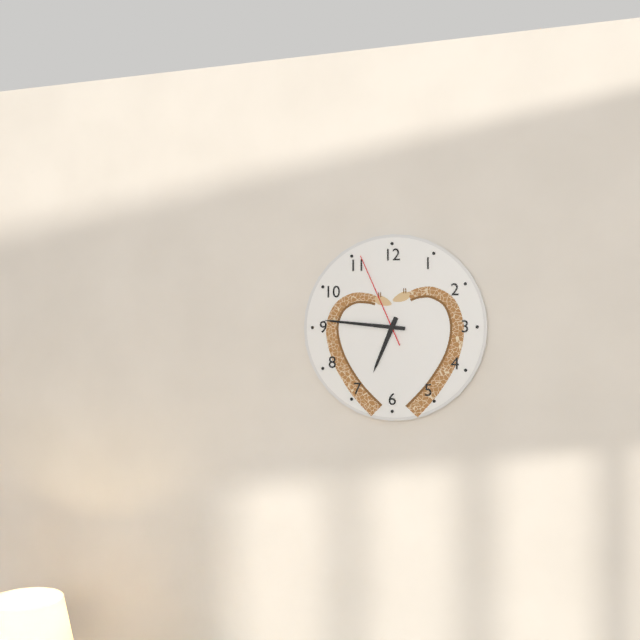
6.46.56
